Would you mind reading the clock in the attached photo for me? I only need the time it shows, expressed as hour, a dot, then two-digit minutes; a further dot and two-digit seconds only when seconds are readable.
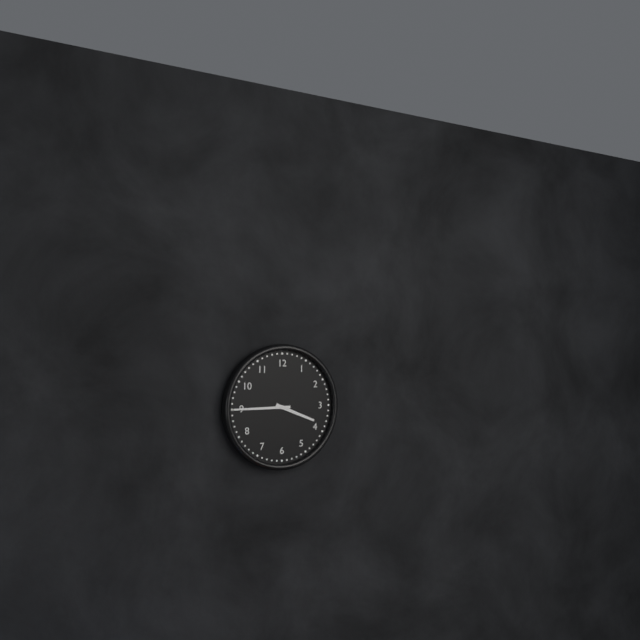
3.45
